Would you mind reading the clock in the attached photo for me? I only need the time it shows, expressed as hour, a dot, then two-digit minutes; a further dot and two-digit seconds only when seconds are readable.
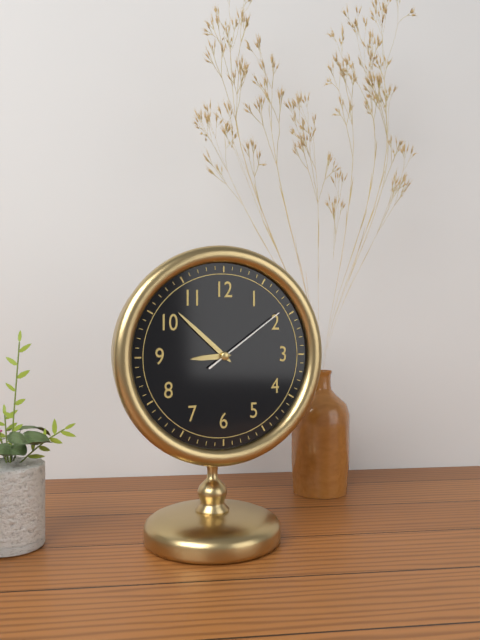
8.52.09
